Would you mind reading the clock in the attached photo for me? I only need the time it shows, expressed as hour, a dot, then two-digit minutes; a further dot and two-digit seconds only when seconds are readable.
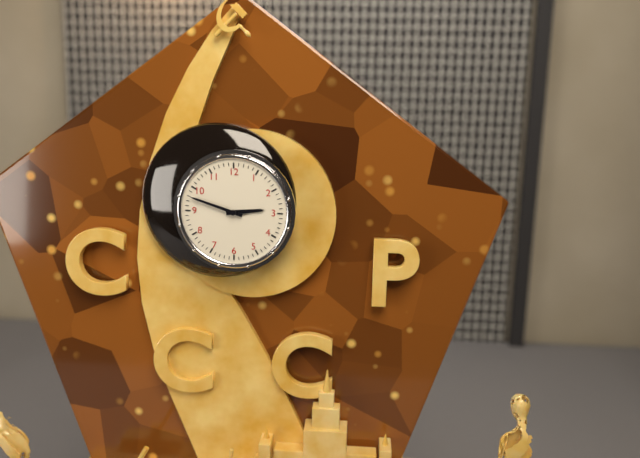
2.48
